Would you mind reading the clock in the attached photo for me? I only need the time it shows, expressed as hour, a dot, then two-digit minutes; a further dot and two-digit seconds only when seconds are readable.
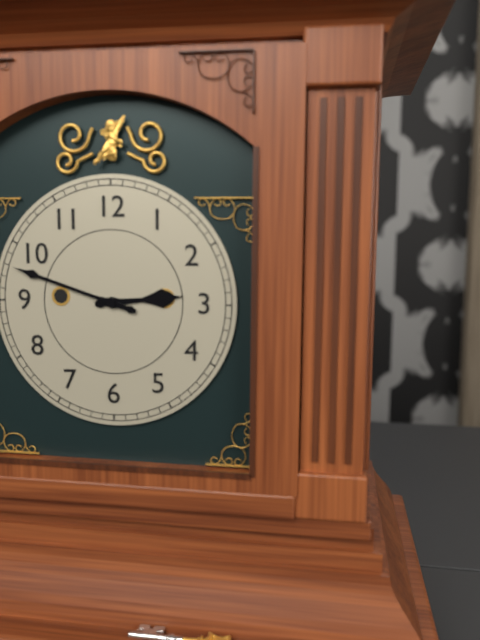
2.48
